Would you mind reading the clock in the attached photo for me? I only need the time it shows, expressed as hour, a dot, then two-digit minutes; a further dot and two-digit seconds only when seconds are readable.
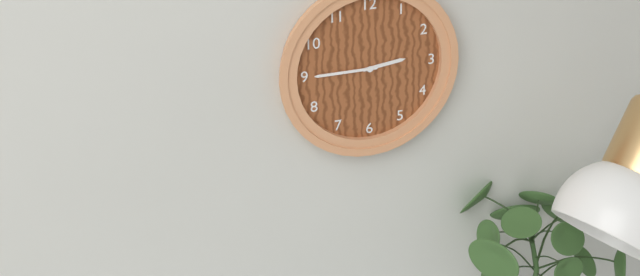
2.45
